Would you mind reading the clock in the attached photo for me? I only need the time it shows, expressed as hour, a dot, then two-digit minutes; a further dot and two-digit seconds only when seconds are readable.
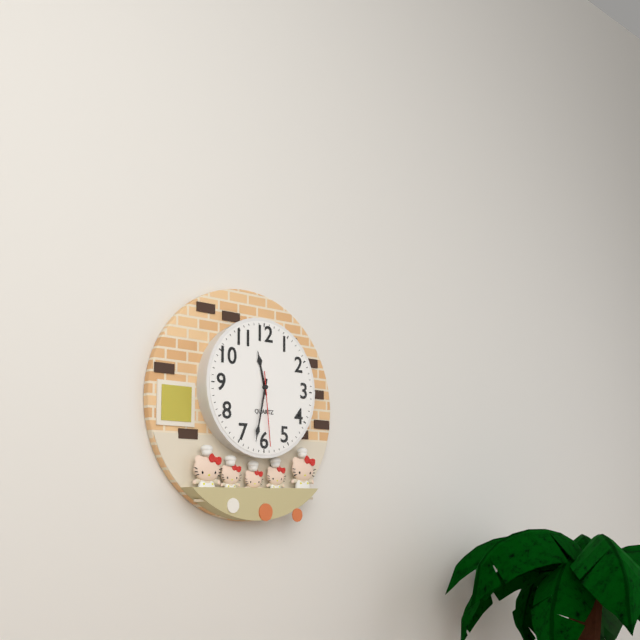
11.32.29
